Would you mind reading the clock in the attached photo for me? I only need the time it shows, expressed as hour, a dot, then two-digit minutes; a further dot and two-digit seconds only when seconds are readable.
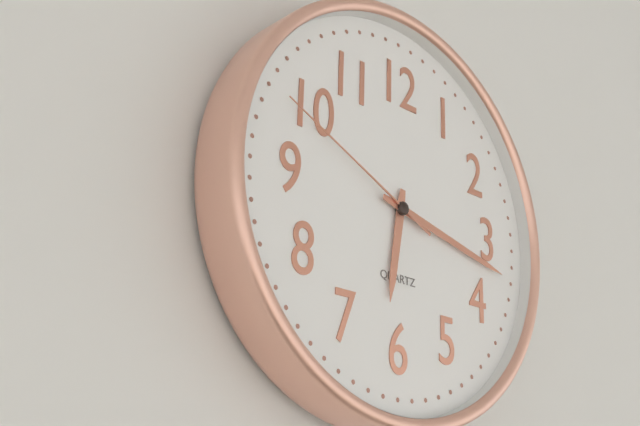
6.17.49
